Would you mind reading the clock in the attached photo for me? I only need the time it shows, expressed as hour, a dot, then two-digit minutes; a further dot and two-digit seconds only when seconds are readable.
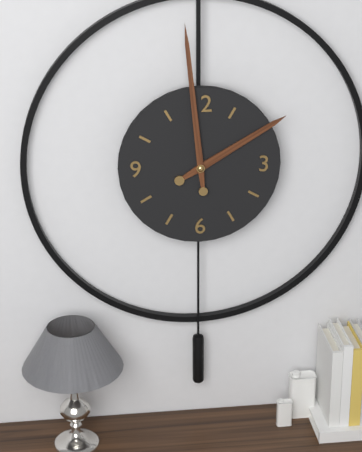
1.59
